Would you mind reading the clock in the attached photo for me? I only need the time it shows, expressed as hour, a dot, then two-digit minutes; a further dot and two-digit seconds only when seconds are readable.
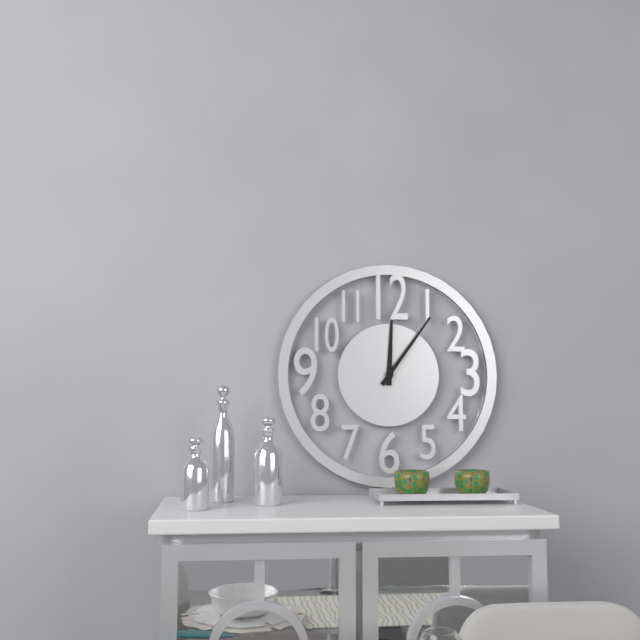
12.06
